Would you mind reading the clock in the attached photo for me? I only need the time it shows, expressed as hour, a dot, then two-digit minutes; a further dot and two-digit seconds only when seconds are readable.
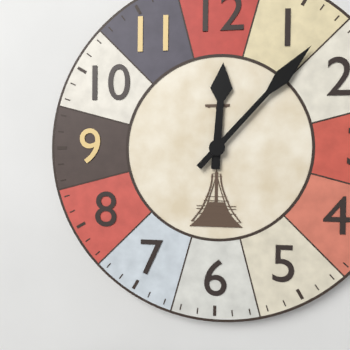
12.07
